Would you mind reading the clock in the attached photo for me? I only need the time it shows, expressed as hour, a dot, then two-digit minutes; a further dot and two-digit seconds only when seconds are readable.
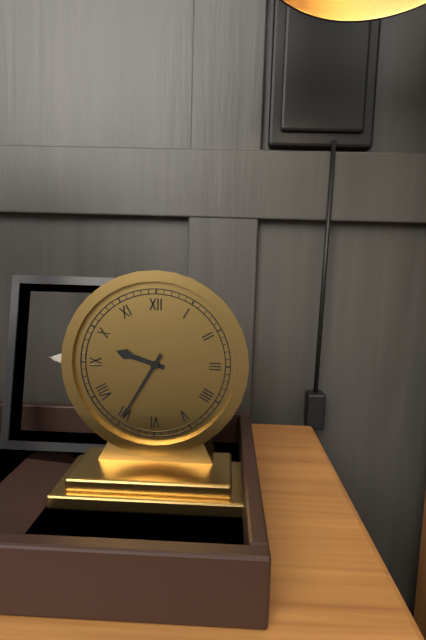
9.35
